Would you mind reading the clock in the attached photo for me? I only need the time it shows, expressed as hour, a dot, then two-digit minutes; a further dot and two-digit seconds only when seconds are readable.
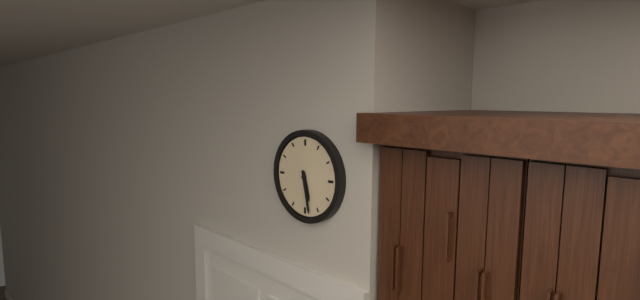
5.28
